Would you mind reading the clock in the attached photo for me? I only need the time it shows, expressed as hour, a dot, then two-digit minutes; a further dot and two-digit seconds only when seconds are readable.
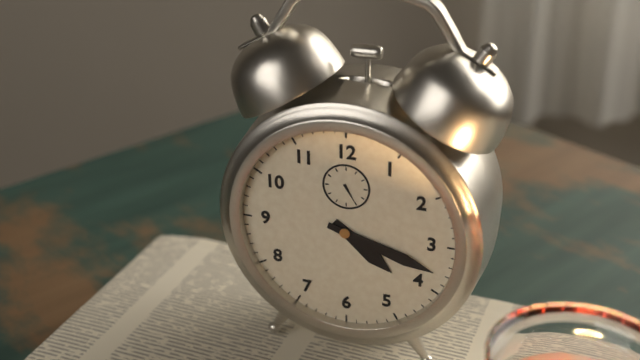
4.18
